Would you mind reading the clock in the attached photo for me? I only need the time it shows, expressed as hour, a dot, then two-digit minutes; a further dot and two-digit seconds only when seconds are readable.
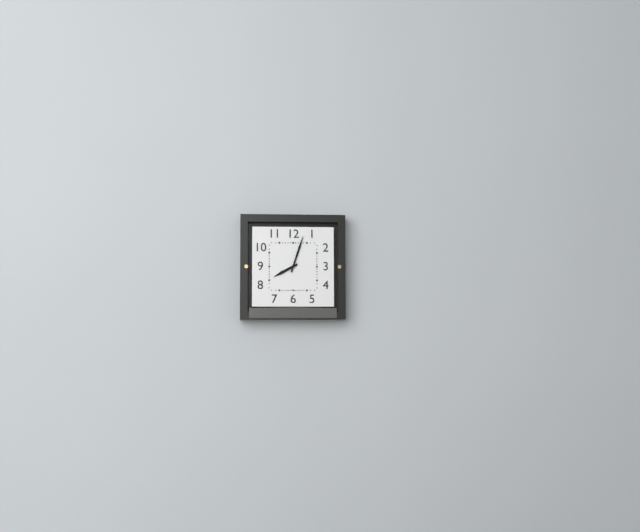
8.03
